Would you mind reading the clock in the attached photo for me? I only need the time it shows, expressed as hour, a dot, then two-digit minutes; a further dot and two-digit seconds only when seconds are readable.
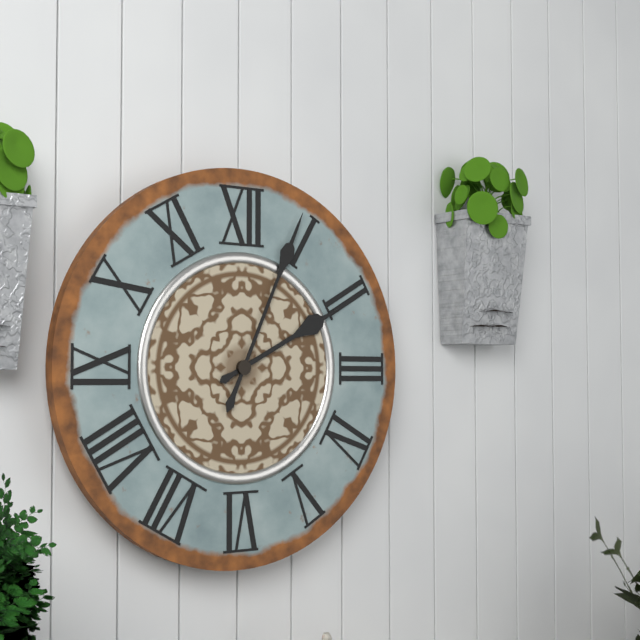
2.04
